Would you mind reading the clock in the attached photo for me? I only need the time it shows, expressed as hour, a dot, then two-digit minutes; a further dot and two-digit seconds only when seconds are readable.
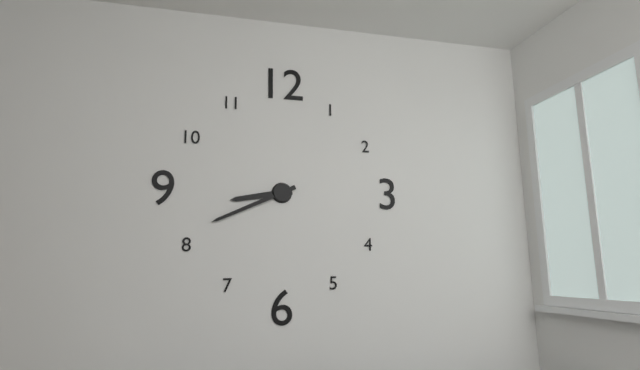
8.41
